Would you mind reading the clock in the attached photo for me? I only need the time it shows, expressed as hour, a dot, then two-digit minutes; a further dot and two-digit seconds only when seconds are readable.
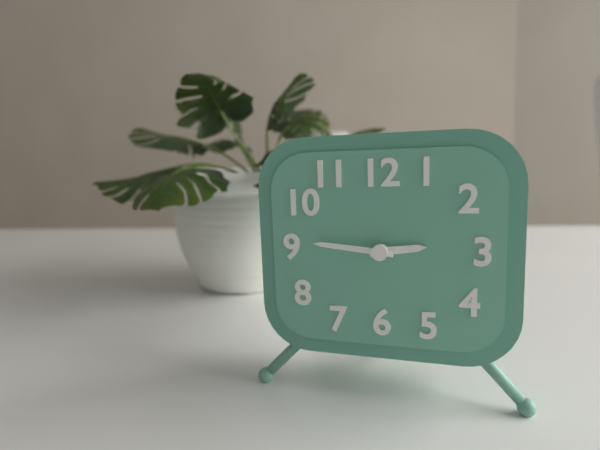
2.46
